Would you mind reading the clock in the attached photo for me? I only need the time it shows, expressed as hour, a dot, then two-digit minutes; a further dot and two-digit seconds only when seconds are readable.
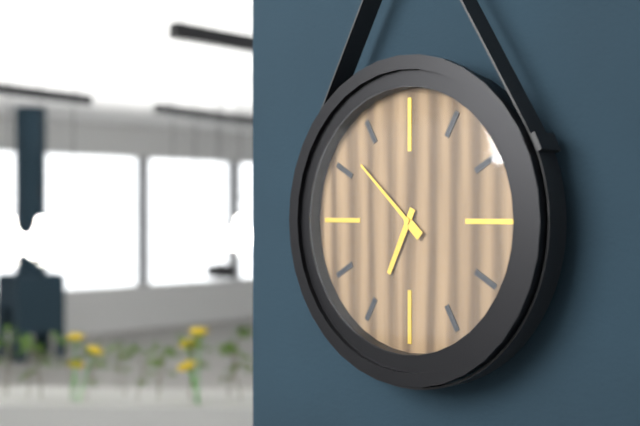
6.52
